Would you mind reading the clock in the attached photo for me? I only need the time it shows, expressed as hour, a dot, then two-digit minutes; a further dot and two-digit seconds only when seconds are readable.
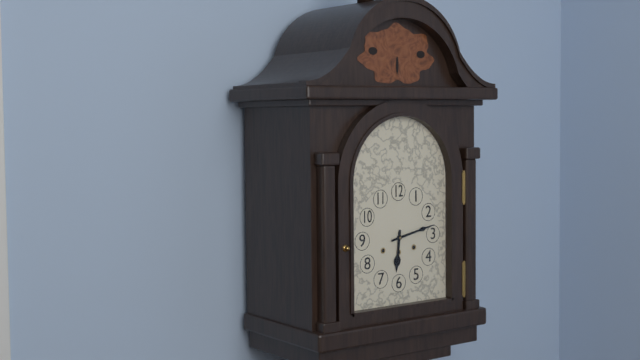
6.13
